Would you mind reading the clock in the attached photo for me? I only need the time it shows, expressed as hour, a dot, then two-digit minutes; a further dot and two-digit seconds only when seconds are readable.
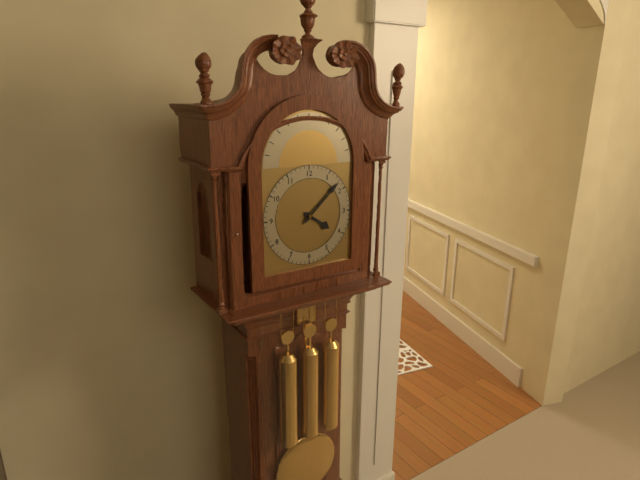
4.08
